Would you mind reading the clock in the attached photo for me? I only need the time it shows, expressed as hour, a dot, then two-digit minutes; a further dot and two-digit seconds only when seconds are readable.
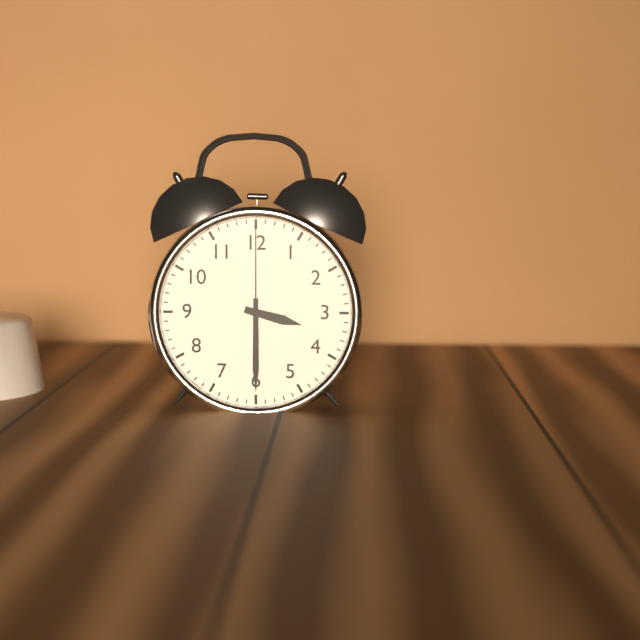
3.30.00
